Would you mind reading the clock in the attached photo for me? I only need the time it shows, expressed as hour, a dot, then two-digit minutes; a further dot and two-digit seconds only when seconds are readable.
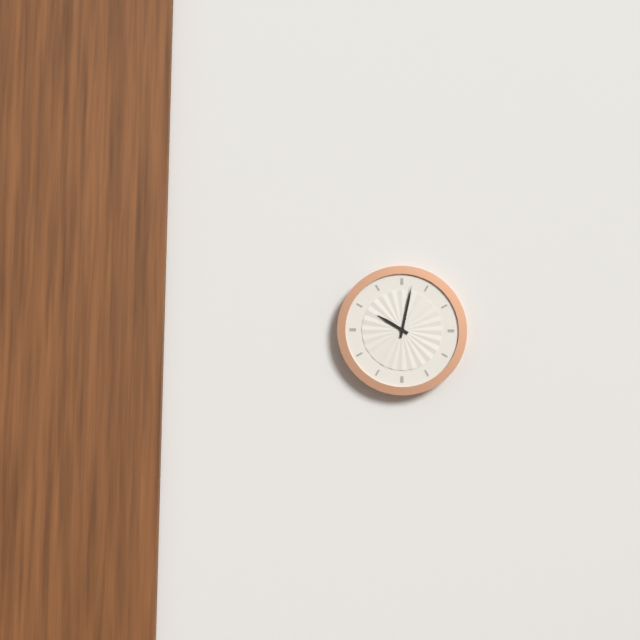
10.02
